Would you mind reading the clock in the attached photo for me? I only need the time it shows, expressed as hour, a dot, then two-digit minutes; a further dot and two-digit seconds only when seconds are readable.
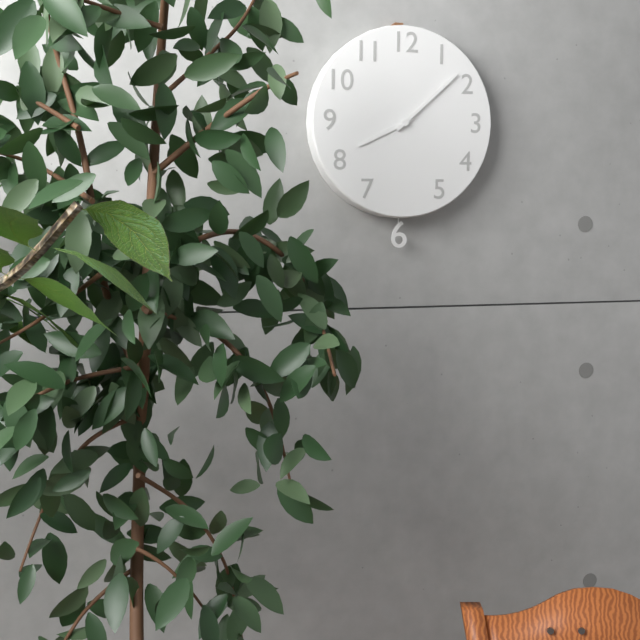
8.08
